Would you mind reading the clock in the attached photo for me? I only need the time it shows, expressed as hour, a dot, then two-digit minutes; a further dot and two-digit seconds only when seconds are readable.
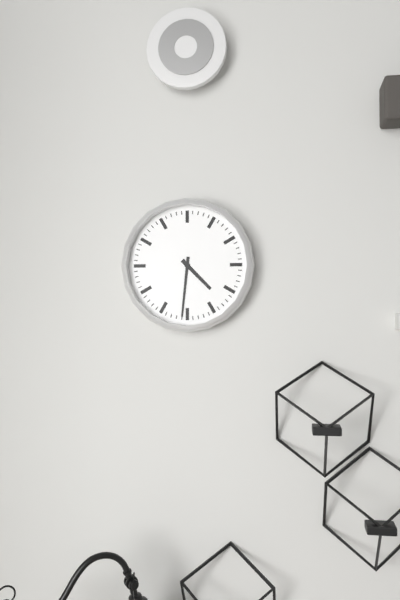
4.31
